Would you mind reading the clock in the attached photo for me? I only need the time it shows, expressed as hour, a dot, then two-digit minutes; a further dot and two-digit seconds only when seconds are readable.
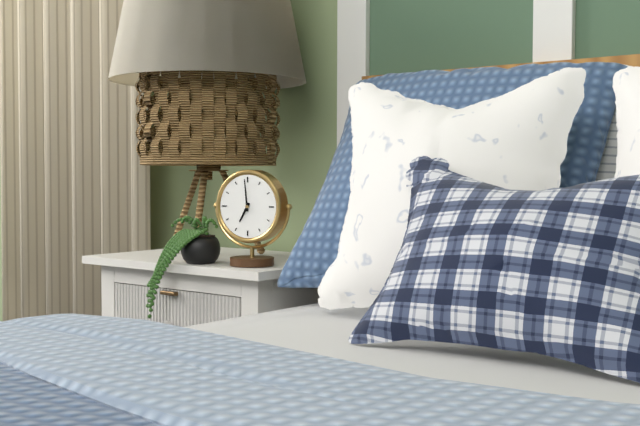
6.59
